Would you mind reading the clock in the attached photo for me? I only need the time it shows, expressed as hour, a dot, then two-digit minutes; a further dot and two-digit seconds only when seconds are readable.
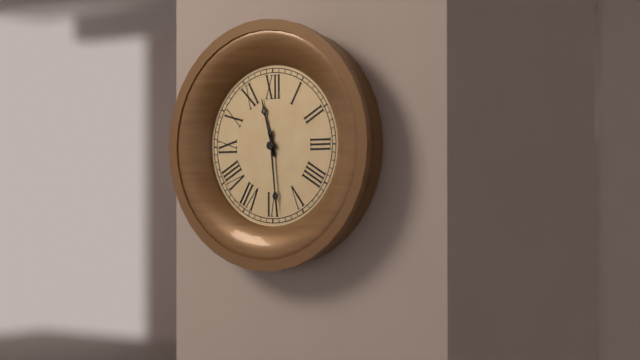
11.29
